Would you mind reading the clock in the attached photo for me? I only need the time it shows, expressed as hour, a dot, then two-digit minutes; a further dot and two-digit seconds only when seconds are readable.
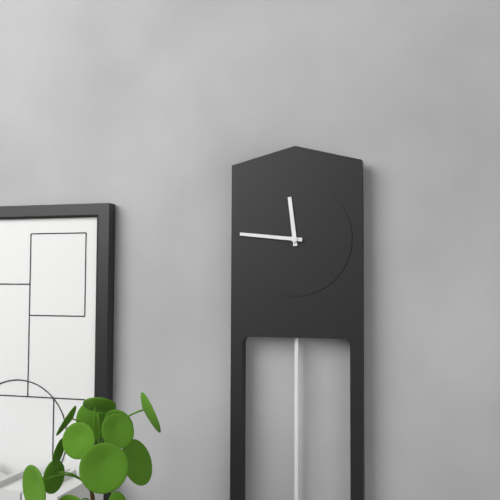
11.46
